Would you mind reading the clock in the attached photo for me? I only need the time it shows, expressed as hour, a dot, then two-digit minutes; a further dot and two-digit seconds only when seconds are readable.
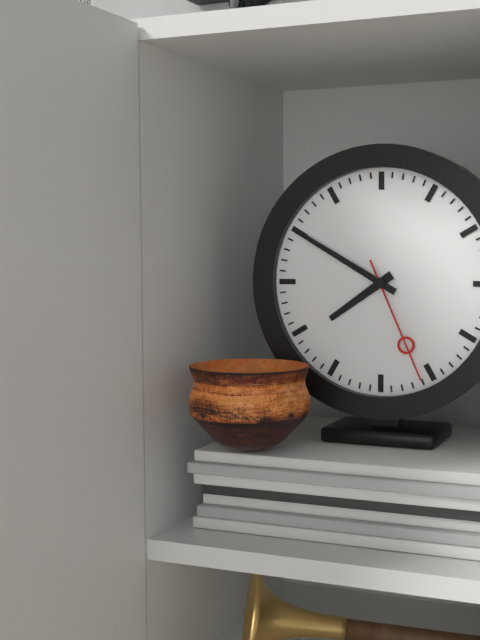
7.50.26
